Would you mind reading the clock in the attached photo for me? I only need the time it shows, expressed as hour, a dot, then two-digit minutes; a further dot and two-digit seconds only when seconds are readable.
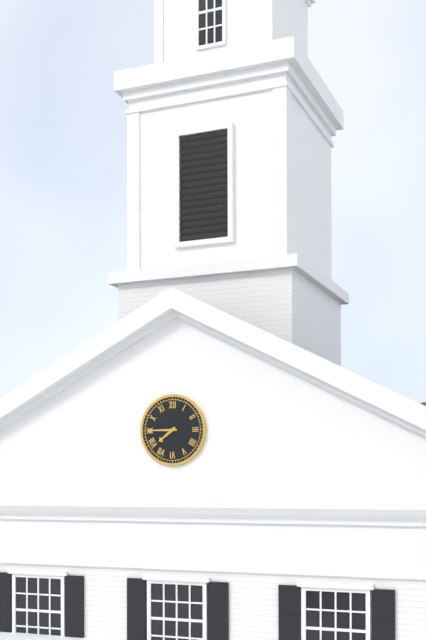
7.45
